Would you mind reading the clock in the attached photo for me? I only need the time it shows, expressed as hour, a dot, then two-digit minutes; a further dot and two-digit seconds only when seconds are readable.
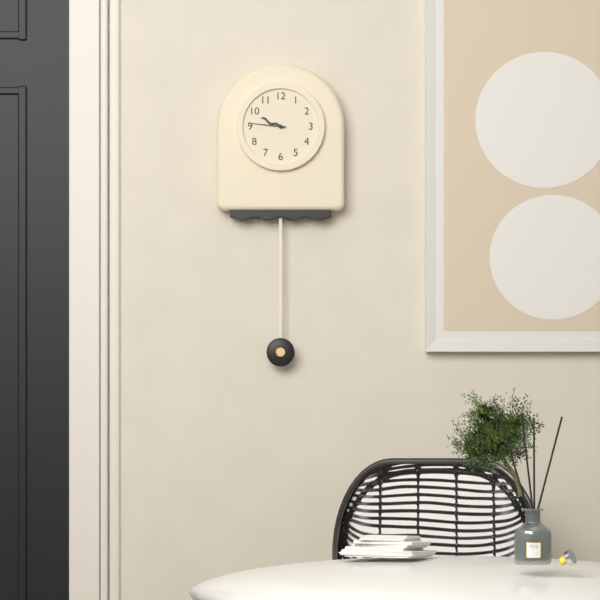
9.46
